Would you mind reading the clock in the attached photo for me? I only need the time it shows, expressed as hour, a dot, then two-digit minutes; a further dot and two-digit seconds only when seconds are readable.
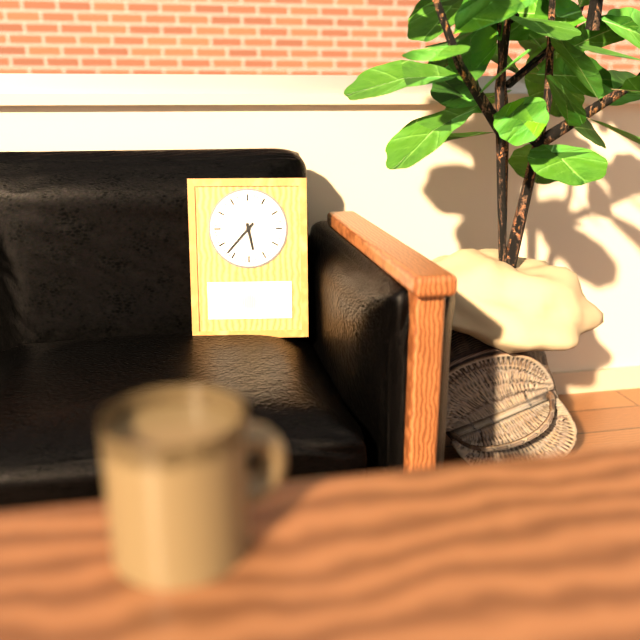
5.37
